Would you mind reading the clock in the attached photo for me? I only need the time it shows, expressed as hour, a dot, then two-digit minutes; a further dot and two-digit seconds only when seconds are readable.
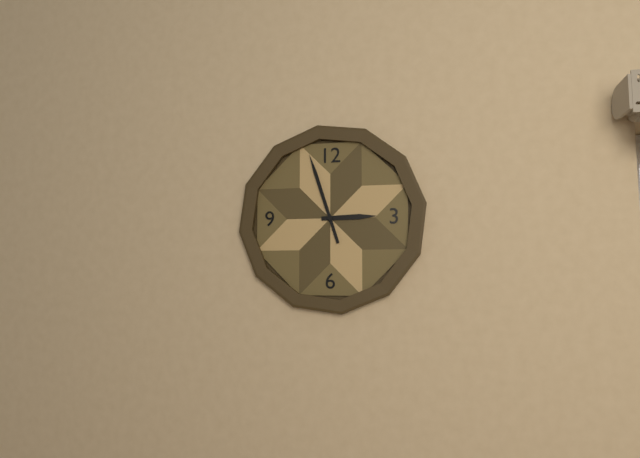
2.57
